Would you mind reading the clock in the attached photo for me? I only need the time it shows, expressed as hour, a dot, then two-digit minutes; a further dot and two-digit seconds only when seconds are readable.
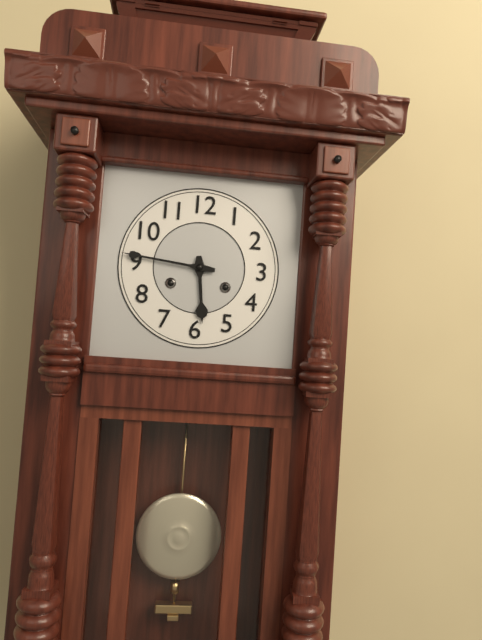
5.46
